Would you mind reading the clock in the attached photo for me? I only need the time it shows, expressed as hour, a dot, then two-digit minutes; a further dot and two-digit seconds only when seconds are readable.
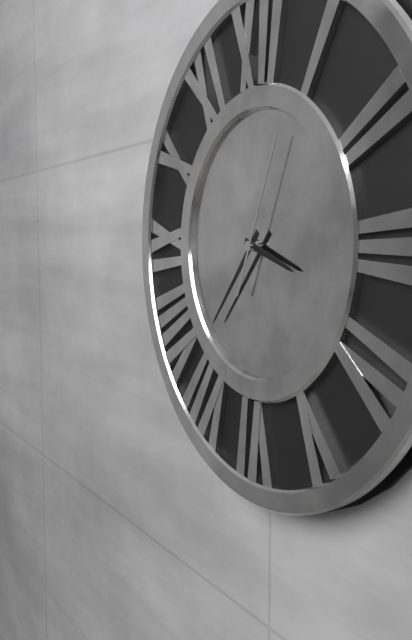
3.37.04
